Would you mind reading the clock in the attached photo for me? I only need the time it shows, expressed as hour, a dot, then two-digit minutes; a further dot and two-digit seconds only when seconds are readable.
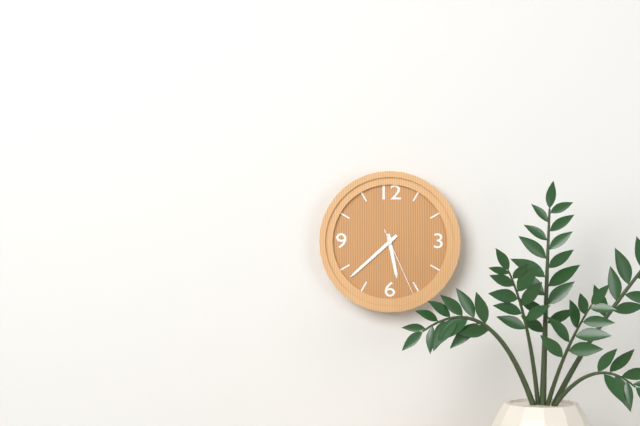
5.38.26
